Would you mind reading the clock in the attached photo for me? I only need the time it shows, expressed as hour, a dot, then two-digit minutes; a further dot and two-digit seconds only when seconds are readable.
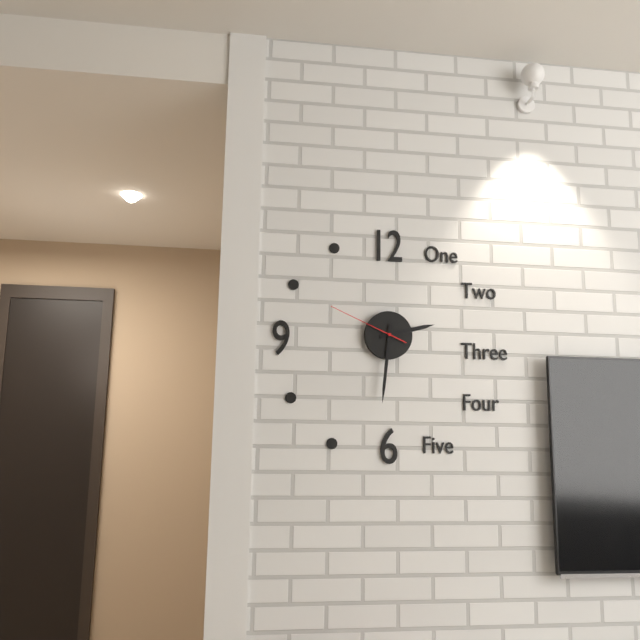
2.31.49
